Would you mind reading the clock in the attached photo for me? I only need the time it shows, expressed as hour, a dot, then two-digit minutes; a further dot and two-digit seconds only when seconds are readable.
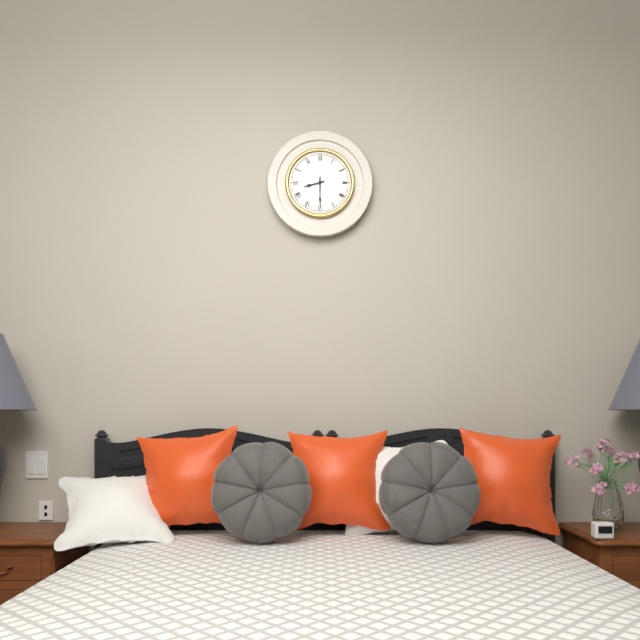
8.30
